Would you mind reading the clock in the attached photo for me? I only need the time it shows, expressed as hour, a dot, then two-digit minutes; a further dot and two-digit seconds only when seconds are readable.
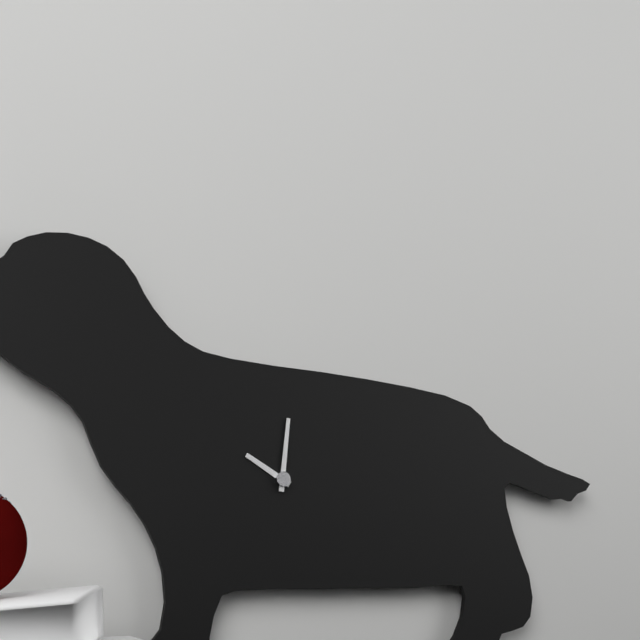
10.01
